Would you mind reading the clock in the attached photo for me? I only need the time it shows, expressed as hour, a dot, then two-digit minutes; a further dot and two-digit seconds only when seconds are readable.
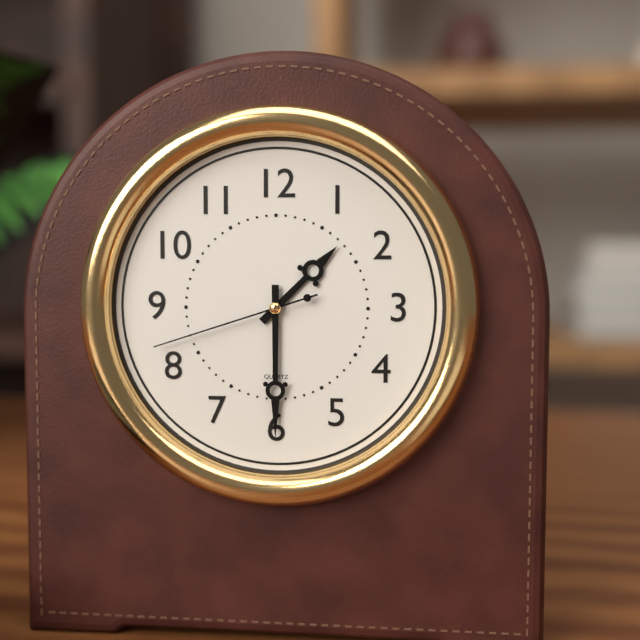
1.30.42
